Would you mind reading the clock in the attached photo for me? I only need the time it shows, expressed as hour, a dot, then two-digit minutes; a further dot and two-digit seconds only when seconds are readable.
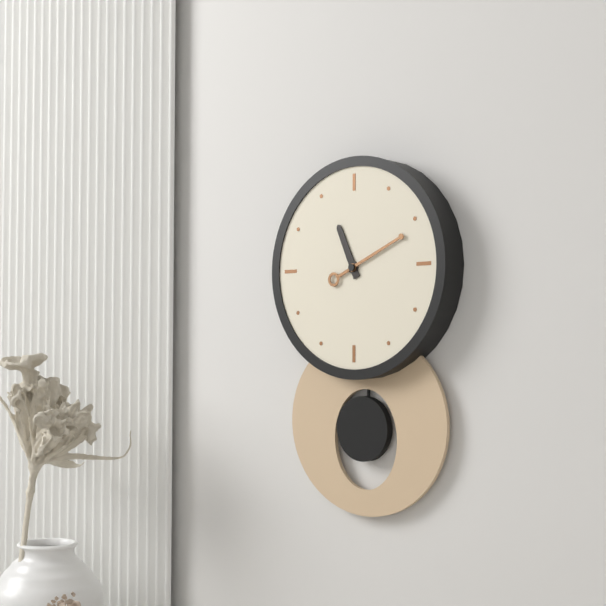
11.11
